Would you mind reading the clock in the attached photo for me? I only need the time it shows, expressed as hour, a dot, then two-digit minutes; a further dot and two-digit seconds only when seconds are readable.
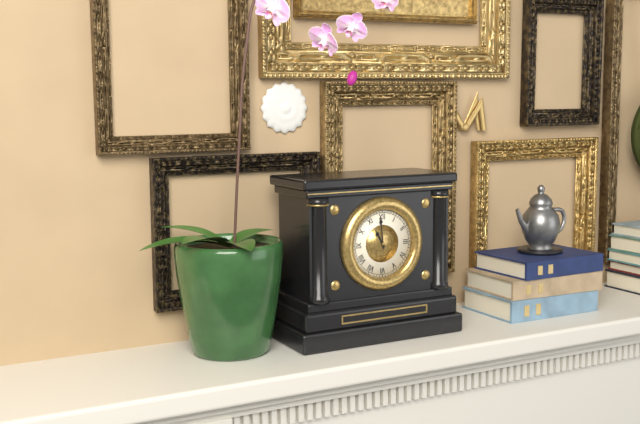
10.59
